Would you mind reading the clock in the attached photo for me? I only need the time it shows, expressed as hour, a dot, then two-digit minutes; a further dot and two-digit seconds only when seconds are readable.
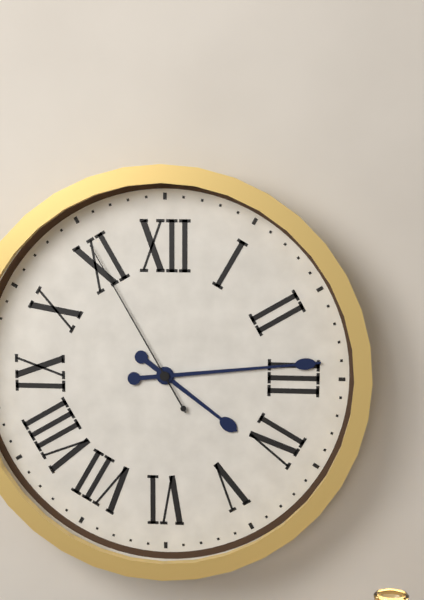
4.14.55
